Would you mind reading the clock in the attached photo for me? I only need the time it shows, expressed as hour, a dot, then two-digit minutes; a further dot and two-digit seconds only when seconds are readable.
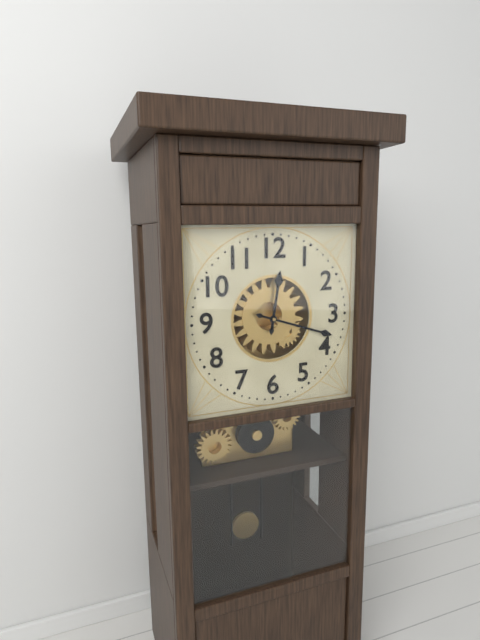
12.18
